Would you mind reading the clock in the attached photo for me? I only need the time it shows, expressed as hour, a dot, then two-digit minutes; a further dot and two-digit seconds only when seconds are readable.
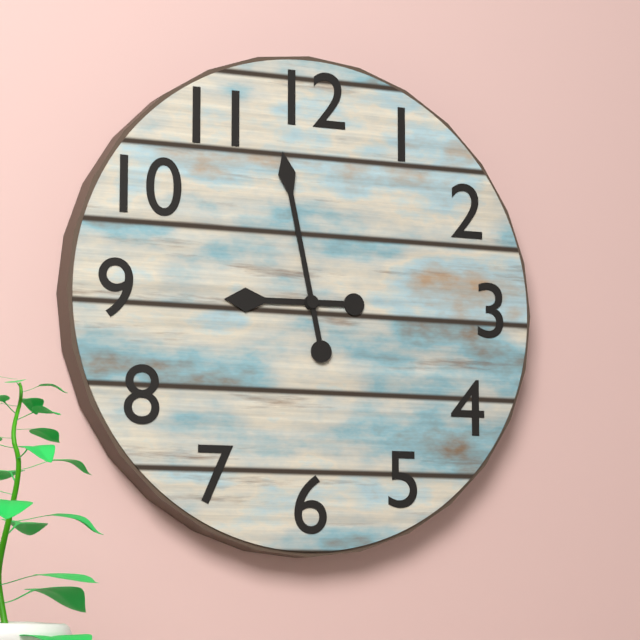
8.58
